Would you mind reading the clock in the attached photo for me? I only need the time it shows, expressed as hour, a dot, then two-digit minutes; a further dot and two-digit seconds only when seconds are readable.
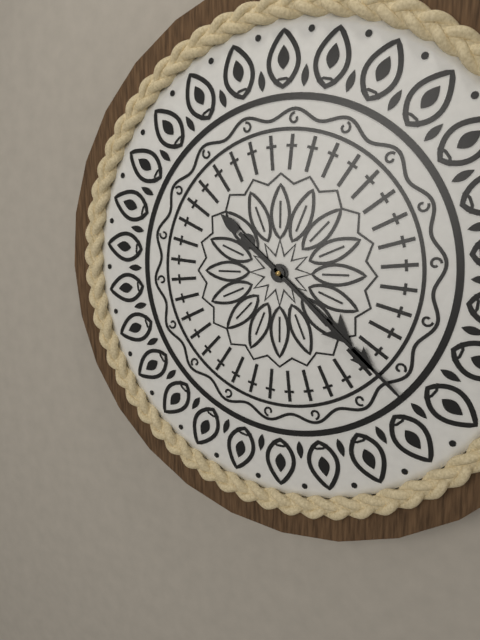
4.22
